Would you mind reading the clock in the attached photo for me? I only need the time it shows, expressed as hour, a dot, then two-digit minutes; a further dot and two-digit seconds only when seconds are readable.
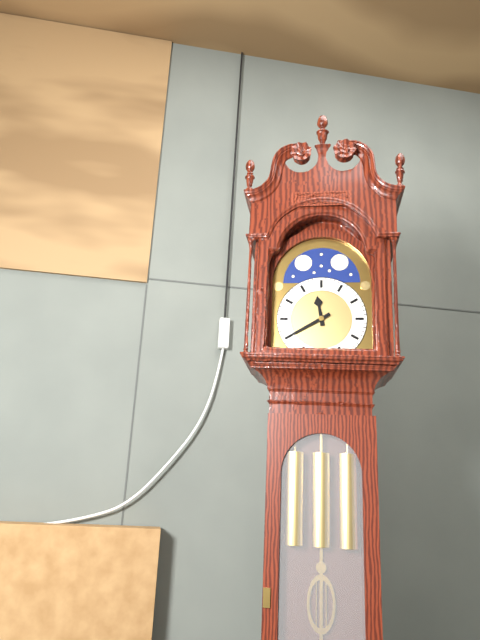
11.40
